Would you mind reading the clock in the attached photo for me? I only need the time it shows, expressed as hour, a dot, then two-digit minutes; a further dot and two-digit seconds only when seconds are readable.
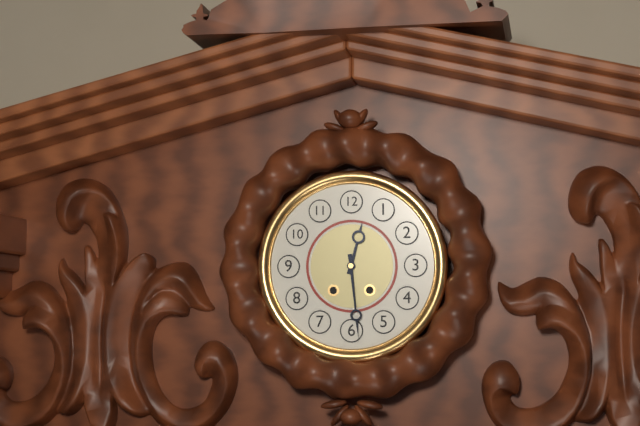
12.29
